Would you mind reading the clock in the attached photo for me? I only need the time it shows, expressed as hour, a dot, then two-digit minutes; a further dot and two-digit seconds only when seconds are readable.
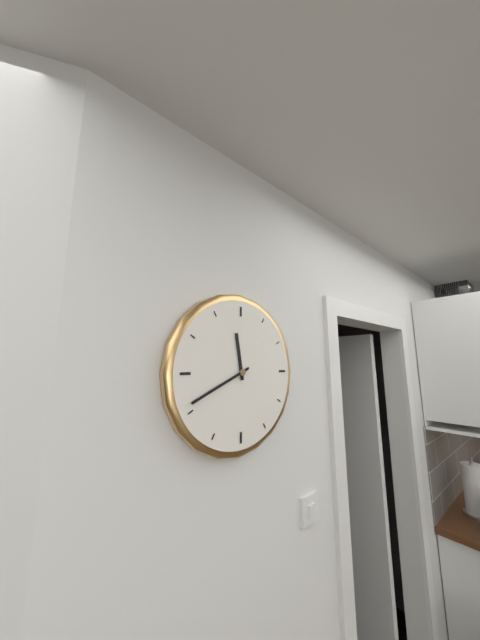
11.41
